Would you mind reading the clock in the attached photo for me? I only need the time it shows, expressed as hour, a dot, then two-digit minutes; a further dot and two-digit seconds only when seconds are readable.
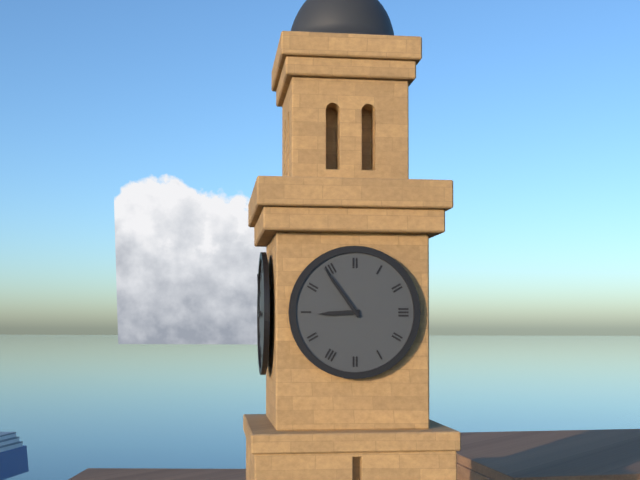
8.54
